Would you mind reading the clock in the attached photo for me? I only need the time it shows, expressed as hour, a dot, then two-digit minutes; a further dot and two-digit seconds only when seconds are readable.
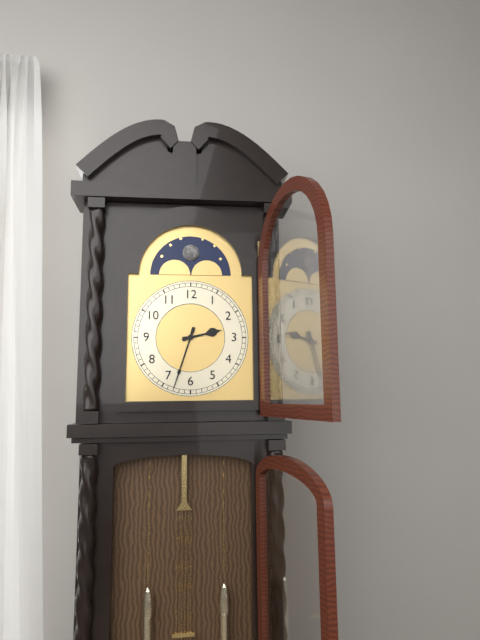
2.33
